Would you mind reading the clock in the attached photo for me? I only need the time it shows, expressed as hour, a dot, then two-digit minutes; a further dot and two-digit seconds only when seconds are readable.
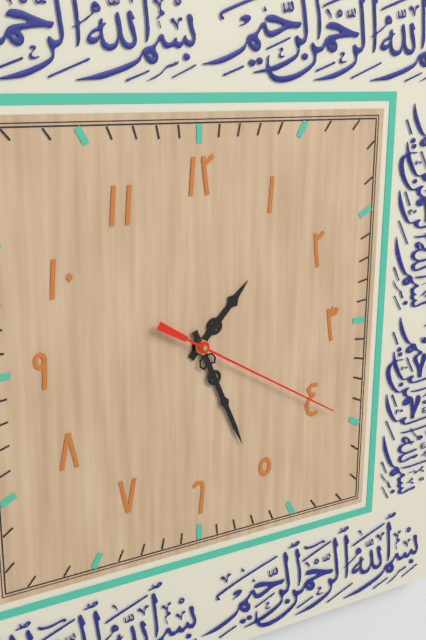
1.26.20
